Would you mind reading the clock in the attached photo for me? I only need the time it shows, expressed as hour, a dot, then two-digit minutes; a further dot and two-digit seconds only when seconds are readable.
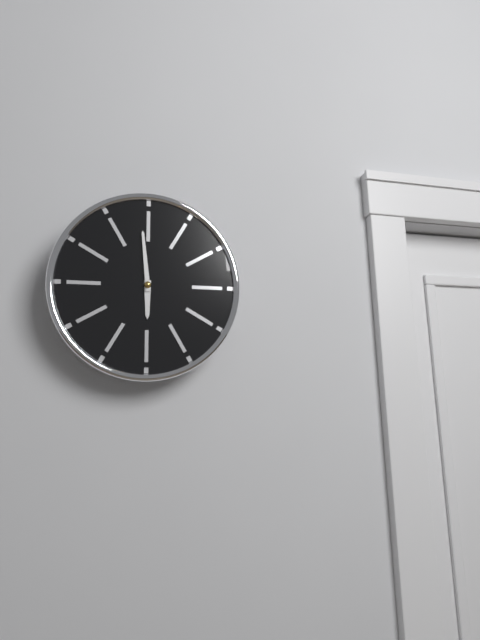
5.59
